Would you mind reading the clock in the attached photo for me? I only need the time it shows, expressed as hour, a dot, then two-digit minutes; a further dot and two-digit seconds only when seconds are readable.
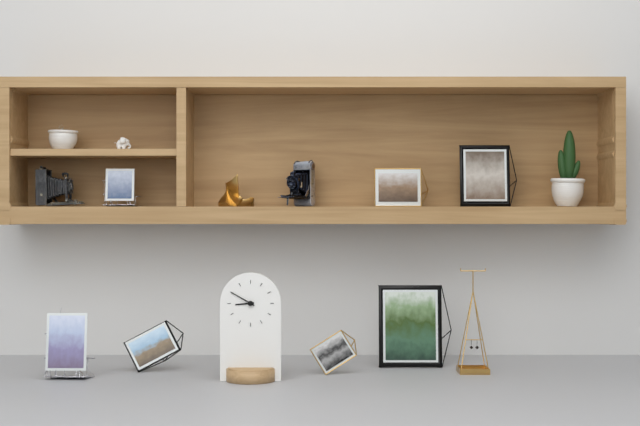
8.50
